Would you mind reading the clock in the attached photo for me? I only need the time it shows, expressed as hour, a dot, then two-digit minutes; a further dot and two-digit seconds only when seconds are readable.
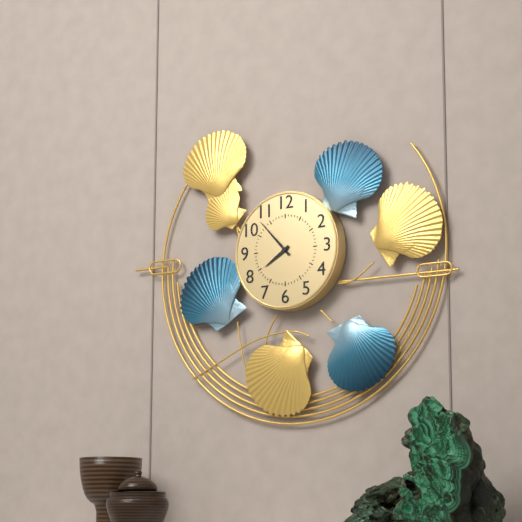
7.53
